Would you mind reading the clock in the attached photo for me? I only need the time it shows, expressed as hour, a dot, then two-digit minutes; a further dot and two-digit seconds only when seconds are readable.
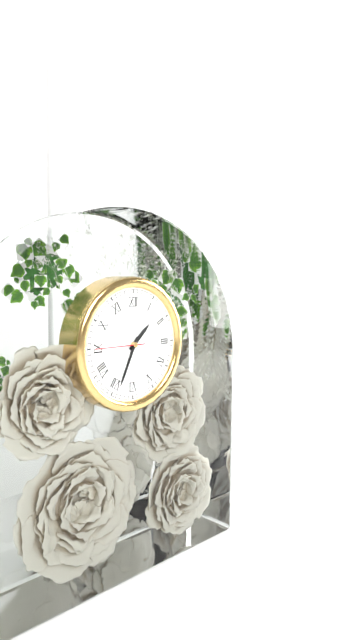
1.34
